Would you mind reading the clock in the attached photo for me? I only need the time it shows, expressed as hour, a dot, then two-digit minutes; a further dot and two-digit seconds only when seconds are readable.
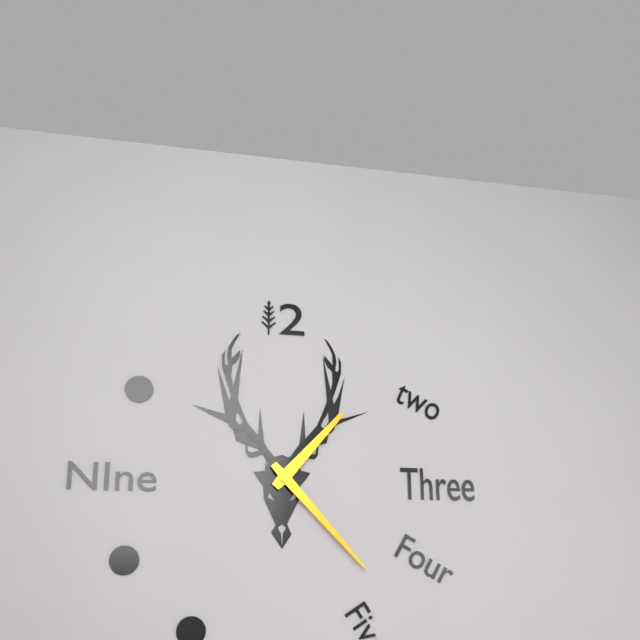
1.23
